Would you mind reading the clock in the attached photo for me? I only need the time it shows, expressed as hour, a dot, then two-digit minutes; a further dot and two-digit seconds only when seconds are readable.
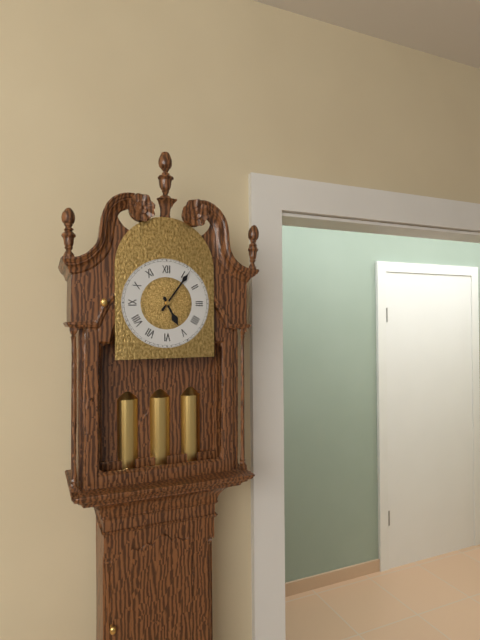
5.06
